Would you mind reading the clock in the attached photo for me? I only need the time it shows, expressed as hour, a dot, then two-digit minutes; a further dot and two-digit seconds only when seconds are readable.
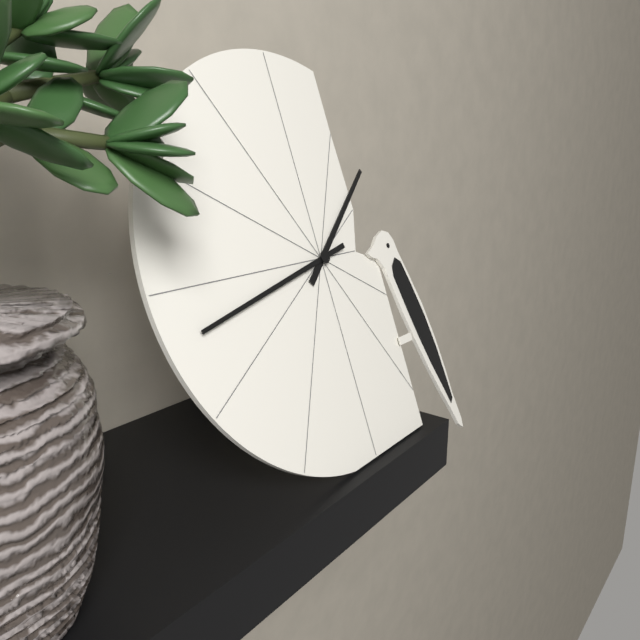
1.43
